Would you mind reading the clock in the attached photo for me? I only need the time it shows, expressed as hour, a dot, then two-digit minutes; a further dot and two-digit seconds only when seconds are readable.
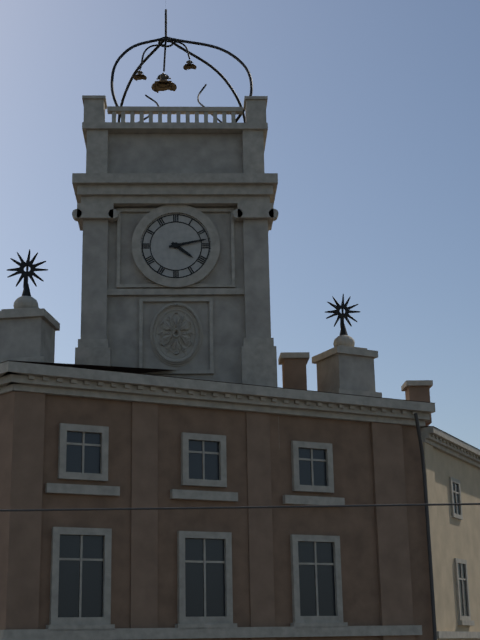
4.13
